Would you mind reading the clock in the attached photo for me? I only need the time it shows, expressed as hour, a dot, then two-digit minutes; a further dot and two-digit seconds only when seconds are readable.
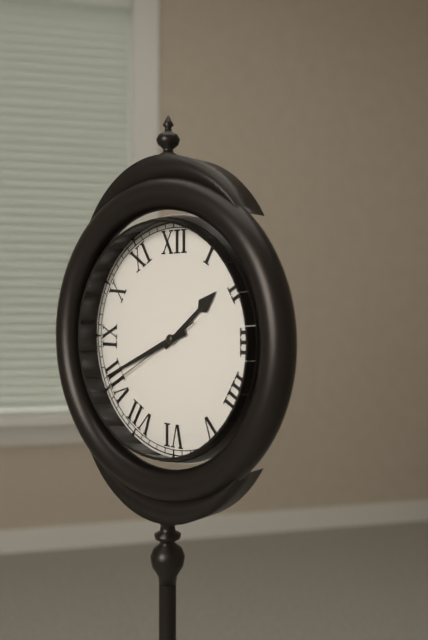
1.41.40
